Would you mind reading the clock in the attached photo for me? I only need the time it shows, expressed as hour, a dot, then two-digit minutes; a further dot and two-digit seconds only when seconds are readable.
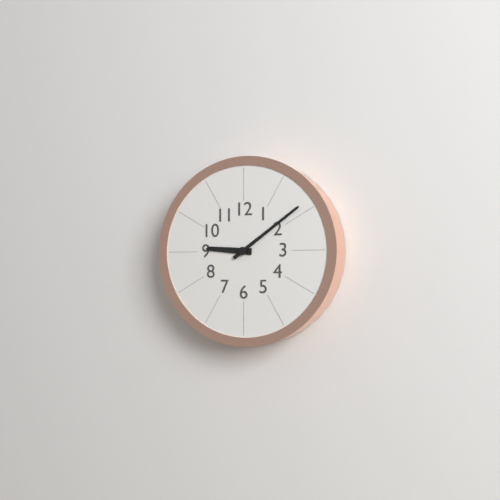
9.09
